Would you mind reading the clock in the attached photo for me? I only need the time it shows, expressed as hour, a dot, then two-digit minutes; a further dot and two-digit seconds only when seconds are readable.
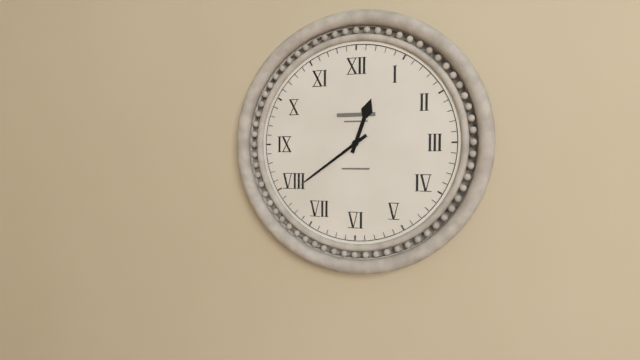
12.39
